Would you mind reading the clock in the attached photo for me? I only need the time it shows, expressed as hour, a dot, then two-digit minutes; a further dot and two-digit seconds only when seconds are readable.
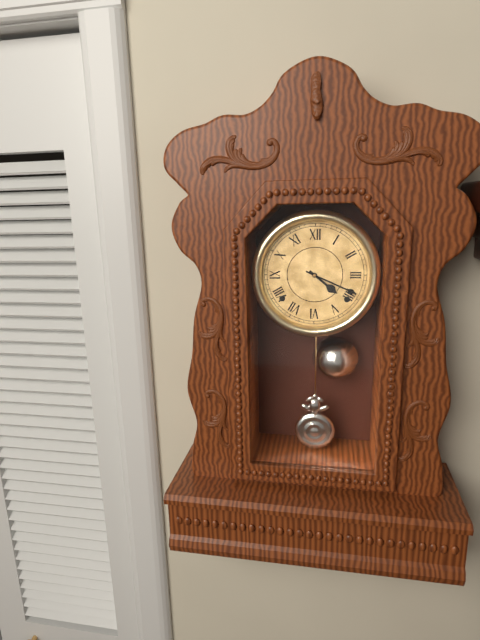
4.19
